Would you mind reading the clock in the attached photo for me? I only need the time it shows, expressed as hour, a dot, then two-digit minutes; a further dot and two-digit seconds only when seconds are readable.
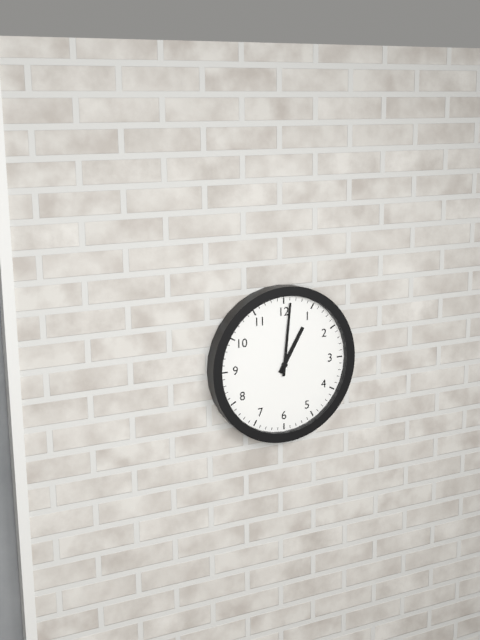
1.01
